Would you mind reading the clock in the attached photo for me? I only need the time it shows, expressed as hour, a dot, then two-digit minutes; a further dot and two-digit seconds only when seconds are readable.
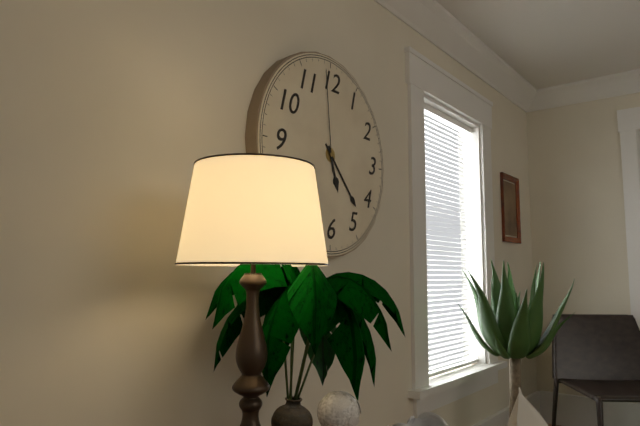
5.23.59
